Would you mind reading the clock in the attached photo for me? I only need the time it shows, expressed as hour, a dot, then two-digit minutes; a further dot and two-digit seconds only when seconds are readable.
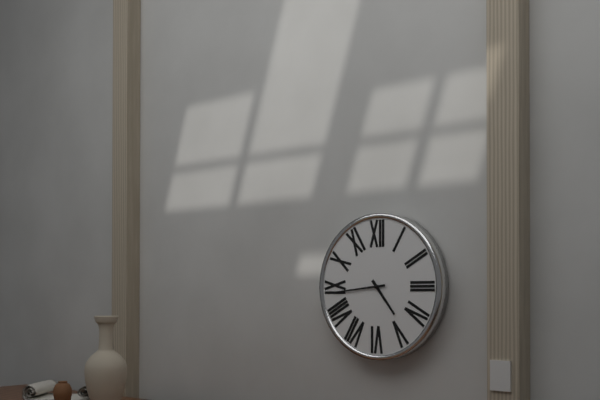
4.44
